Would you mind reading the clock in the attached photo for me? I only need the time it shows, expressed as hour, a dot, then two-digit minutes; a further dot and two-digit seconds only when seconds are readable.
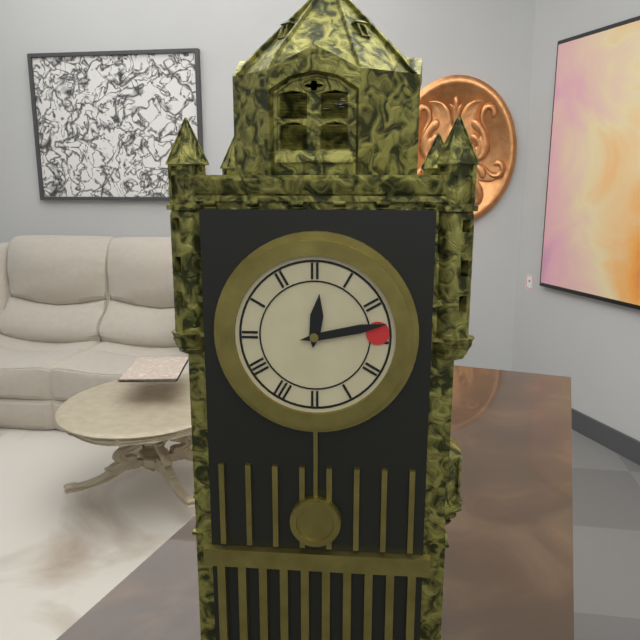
12.13
